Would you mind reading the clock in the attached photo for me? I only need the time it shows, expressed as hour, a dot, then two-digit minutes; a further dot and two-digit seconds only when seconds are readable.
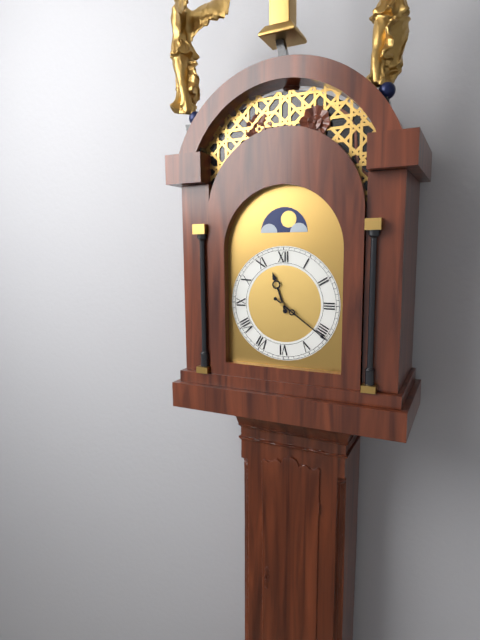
11.21
